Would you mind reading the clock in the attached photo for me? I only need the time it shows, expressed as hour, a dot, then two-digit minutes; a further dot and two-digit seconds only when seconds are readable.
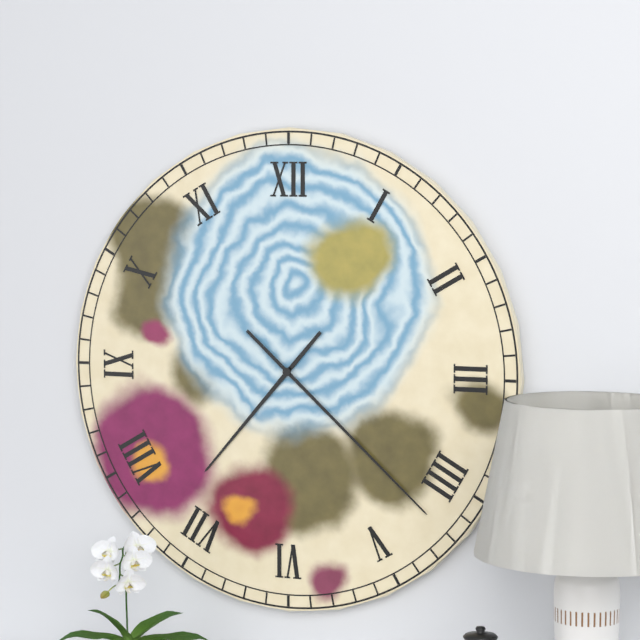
7.22
